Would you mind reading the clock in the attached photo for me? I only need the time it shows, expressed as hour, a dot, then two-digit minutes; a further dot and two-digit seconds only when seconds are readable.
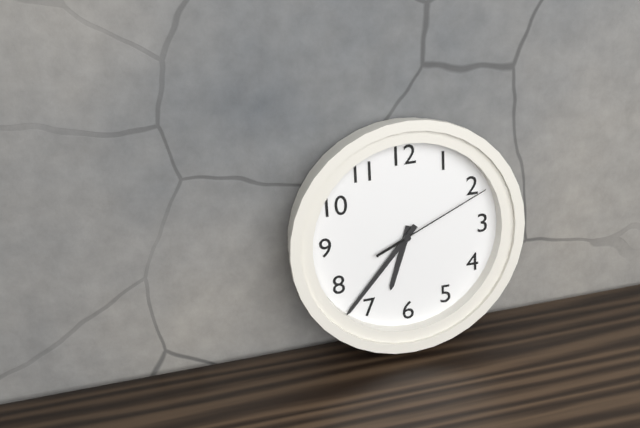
6.37.11
